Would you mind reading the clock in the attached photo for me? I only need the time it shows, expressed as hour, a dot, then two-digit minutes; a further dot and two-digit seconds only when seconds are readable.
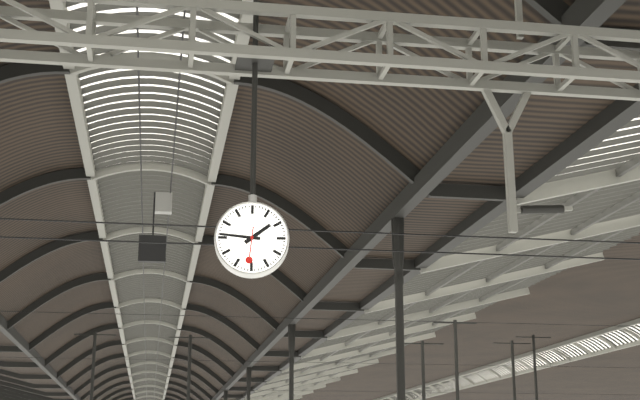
1.46
